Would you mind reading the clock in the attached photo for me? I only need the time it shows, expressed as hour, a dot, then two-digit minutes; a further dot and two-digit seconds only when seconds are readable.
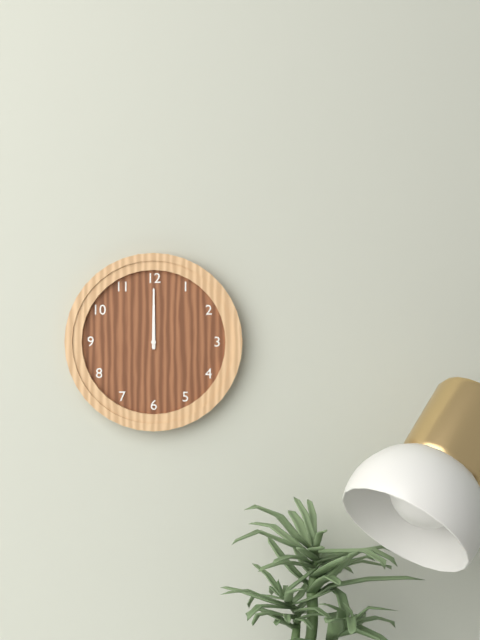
12.00
